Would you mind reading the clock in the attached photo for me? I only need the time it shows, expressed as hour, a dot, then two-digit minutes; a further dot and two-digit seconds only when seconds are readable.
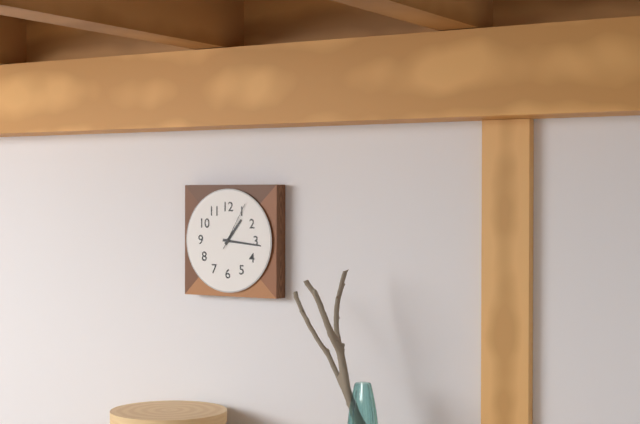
1.16.05
